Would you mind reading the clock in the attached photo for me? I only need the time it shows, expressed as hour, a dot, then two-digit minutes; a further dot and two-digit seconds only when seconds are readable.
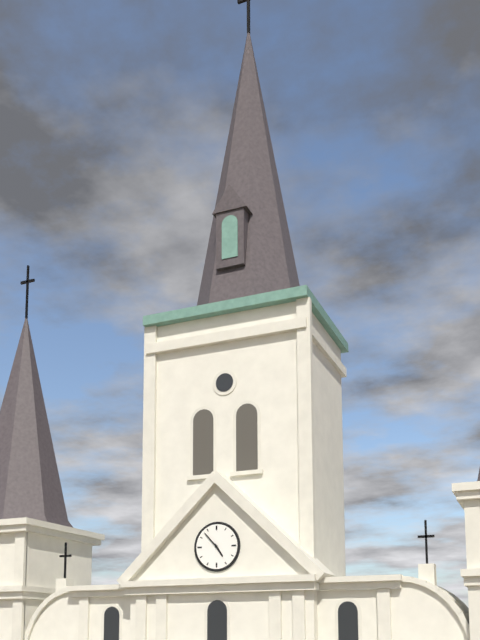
4.53
